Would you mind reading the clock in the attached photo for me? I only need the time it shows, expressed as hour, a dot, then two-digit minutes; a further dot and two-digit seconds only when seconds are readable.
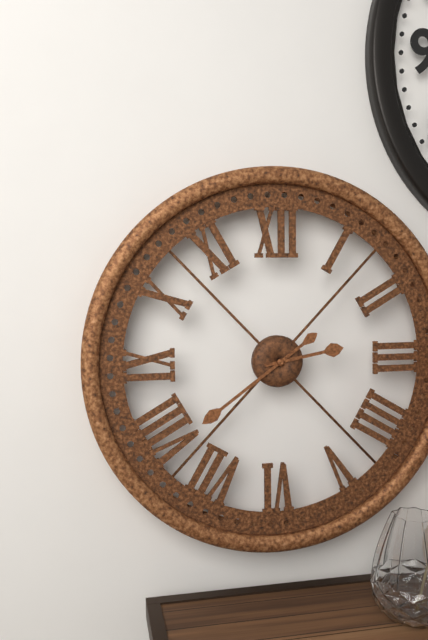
2.39
